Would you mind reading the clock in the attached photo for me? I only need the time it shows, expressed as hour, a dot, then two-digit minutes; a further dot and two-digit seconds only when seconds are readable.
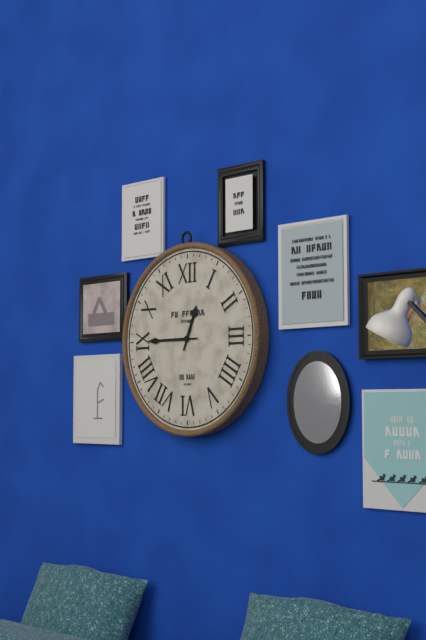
12.45
